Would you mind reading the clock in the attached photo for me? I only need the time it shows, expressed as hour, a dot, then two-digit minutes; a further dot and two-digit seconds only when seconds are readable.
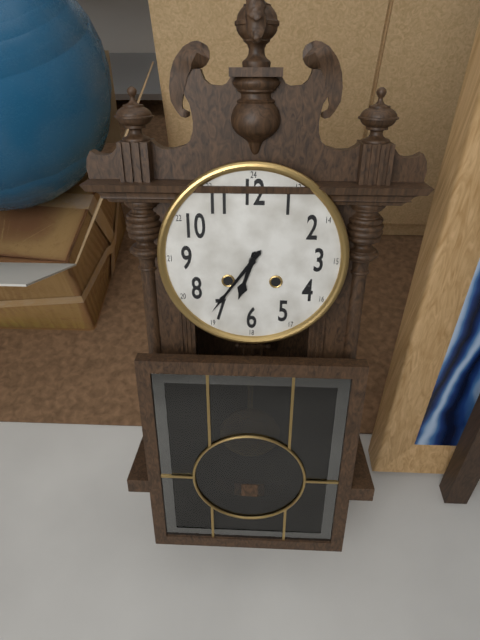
6.36
